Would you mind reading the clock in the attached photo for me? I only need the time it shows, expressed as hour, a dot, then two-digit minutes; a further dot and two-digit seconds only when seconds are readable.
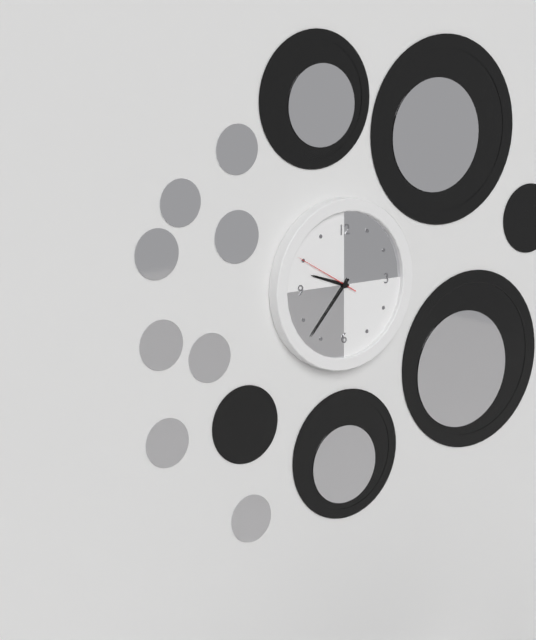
9.37.50
